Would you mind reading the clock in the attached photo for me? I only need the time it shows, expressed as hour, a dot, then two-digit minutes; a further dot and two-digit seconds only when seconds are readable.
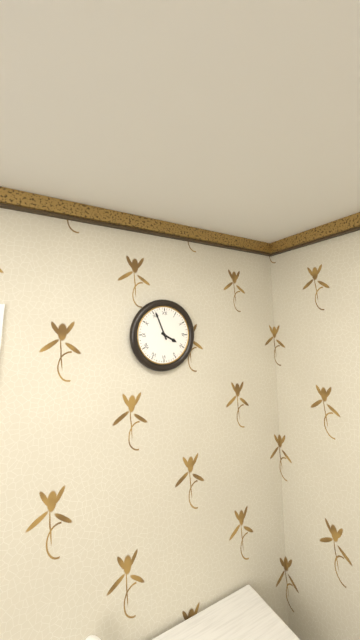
3.56
